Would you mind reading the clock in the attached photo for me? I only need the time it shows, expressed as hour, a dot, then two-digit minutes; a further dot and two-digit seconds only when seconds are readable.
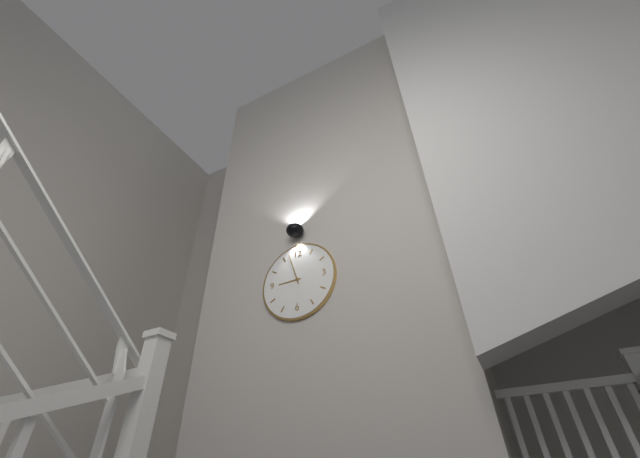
8.57
